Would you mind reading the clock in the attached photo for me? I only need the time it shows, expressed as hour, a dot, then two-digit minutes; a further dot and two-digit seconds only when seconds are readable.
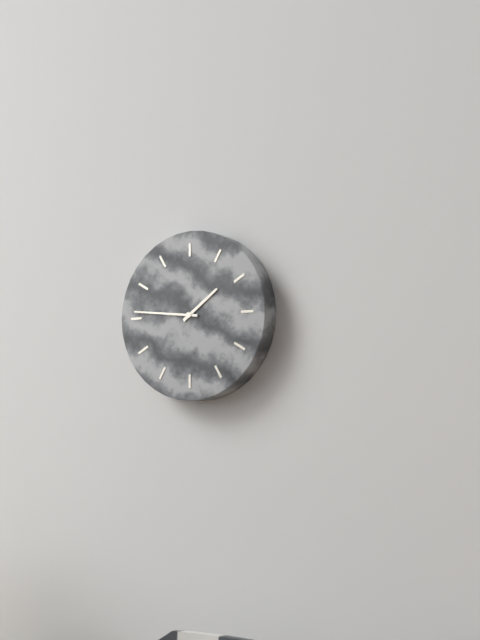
1.46
